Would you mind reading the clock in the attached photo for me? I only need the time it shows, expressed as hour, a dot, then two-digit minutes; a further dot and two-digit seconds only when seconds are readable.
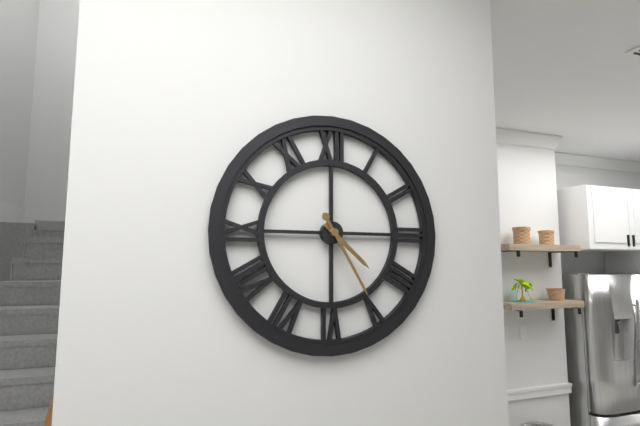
4.25
